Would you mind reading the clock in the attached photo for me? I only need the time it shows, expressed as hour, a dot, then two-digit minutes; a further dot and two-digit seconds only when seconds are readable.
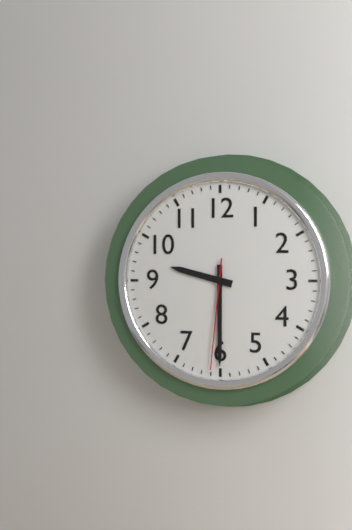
9.30.31
